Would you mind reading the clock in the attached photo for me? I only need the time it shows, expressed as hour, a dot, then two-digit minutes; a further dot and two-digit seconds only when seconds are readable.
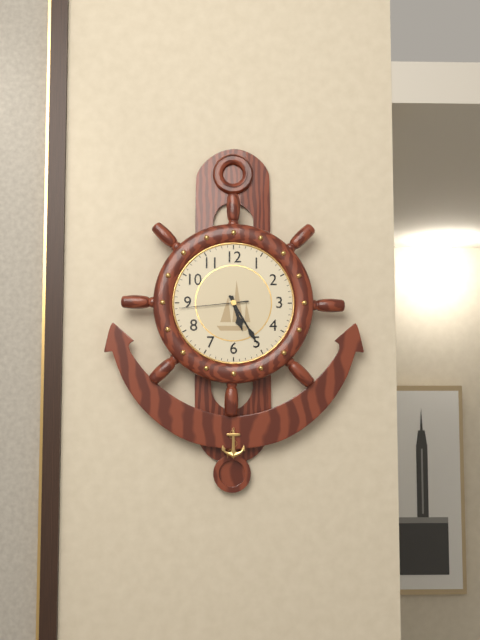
5.25.44
